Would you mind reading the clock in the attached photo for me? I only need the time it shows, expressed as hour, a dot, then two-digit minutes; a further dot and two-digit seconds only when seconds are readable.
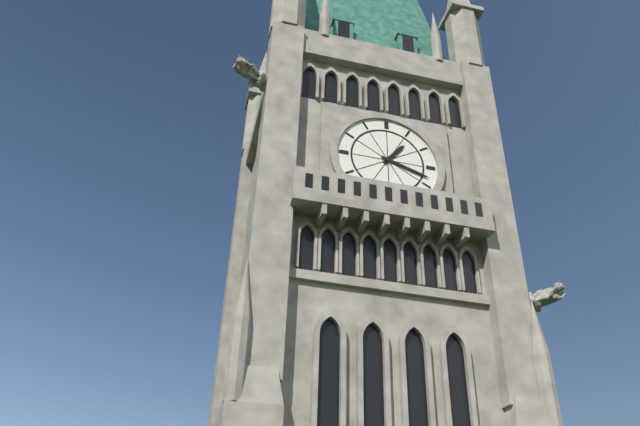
1.18
